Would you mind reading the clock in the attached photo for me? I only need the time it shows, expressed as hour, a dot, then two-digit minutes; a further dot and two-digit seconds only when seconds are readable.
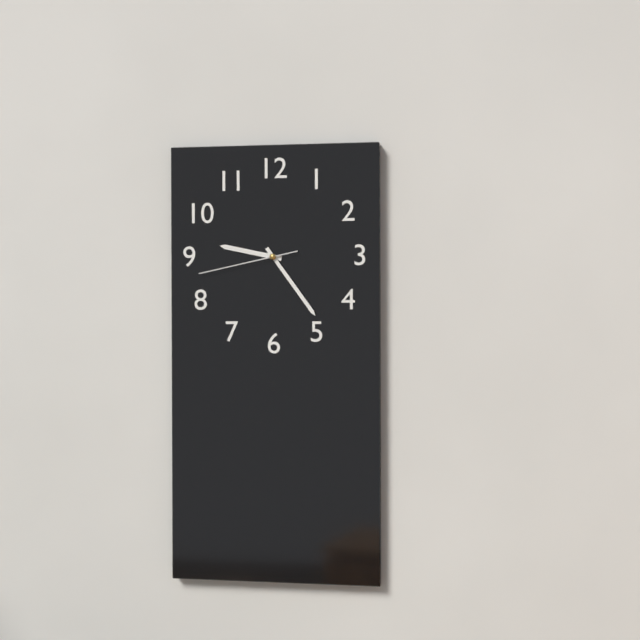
9.24.43
